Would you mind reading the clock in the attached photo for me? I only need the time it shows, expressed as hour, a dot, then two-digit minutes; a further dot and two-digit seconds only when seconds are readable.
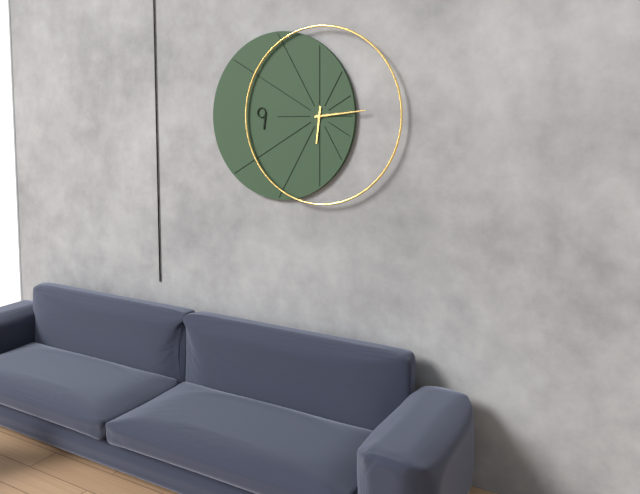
6.14
